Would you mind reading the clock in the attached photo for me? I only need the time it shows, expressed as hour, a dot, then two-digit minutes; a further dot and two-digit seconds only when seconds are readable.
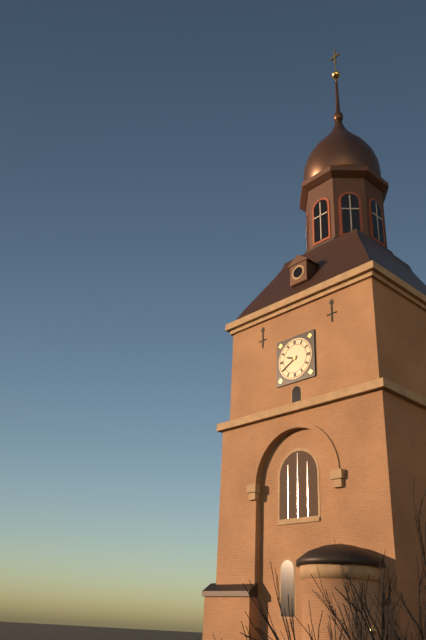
9.40
